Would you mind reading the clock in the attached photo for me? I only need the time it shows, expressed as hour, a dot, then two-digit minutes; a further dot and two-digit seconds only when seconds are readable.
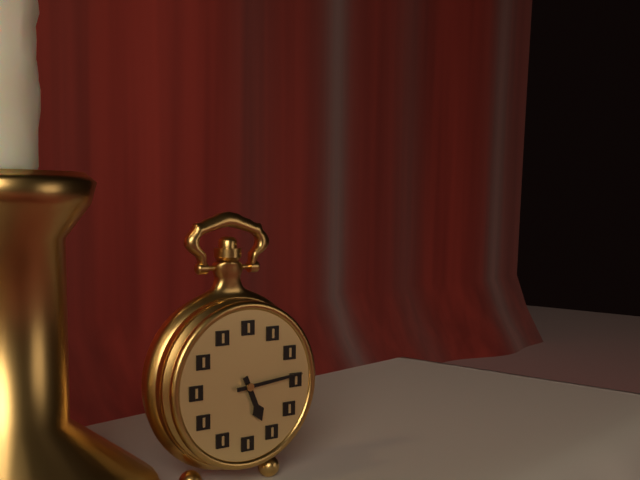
5.14
